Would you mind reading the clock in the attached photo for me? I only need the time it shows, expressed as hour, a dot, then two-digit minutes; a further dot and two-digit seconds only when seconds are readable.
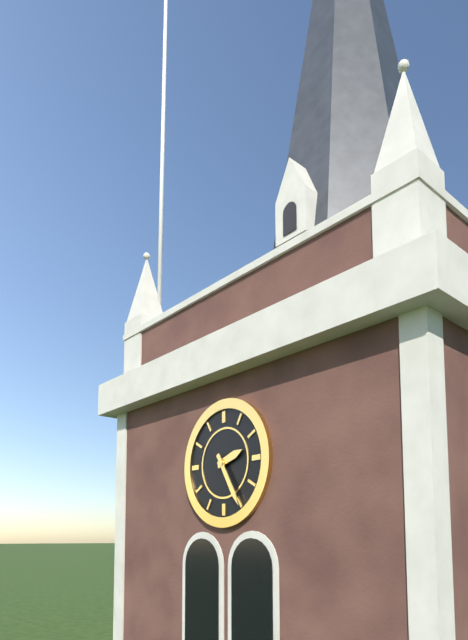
2.25
